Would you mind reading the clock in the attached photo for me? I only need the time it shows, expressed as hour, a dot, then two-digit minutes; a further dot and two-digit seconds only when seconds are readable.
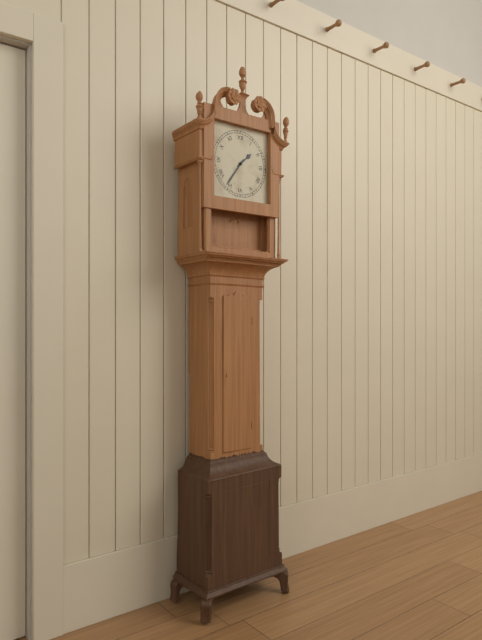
1.36
